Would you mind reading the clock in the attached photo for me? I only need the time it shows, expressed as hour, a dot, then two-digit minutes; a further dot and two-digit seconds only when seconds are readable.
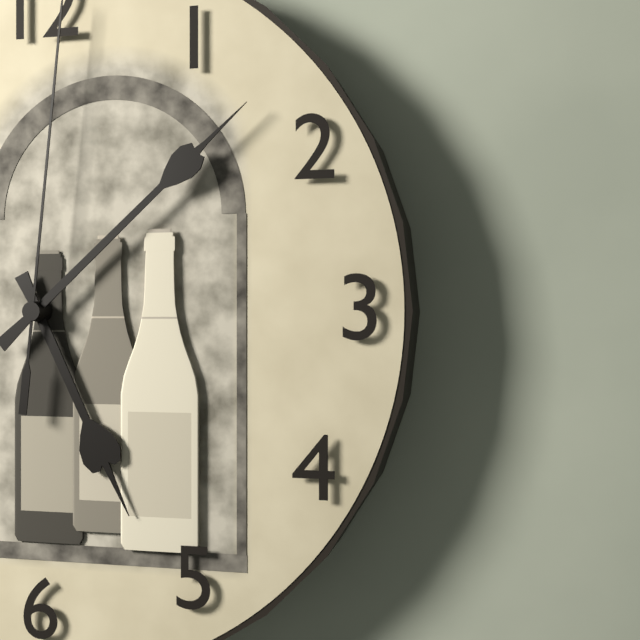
5.08
